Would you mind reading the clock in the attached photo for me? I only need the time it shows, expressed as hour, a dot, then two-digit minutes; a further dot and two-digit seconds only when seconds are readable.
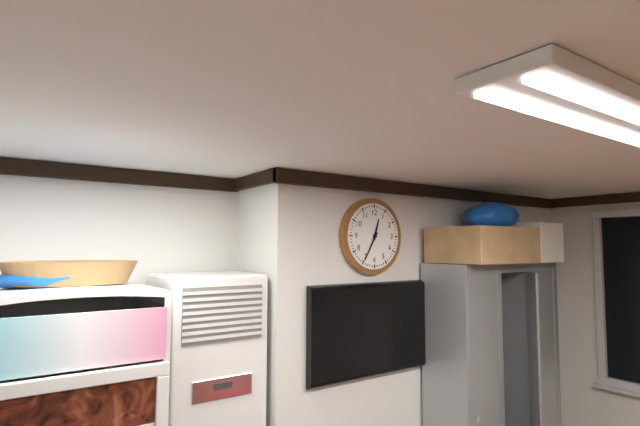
12.35
